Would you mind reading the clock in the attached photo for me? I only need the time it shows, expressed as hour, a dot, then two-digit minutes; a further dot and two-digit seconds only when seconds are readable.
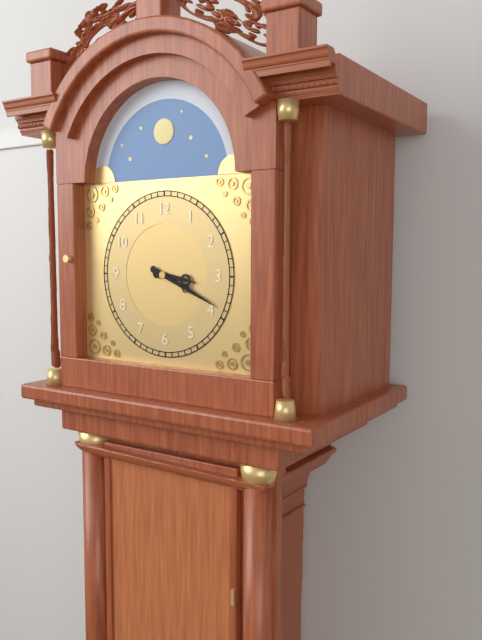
3.19
